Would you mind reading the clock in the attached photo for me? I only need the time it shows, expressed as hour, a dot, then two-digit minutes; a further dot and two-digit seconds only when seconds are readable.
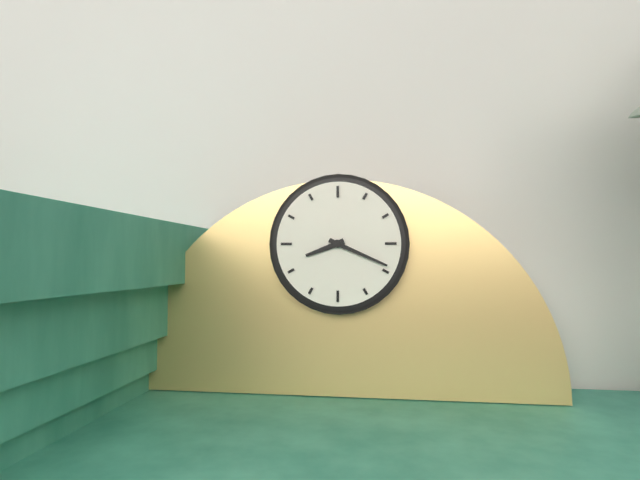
8.19
